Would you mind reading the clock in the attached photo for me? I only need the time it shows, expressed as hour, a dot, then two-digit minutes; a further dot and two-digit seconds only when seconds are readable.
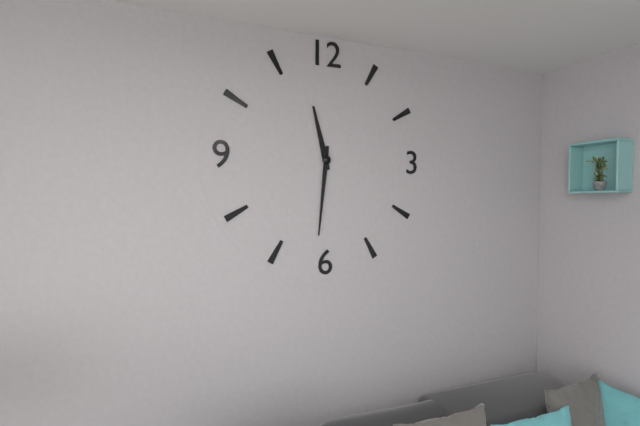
11.31
